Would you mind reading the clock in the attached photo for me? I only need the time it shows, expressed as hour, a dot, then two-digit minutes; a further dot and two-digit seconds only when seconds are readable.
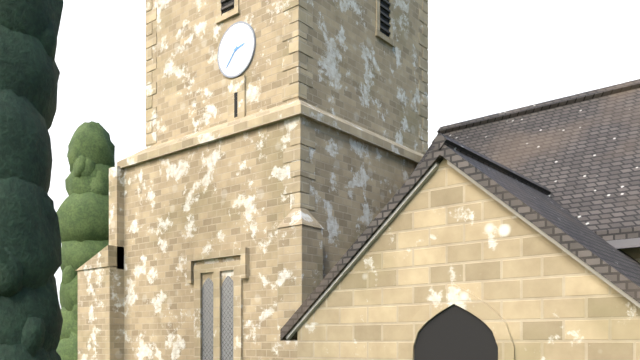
2.37
